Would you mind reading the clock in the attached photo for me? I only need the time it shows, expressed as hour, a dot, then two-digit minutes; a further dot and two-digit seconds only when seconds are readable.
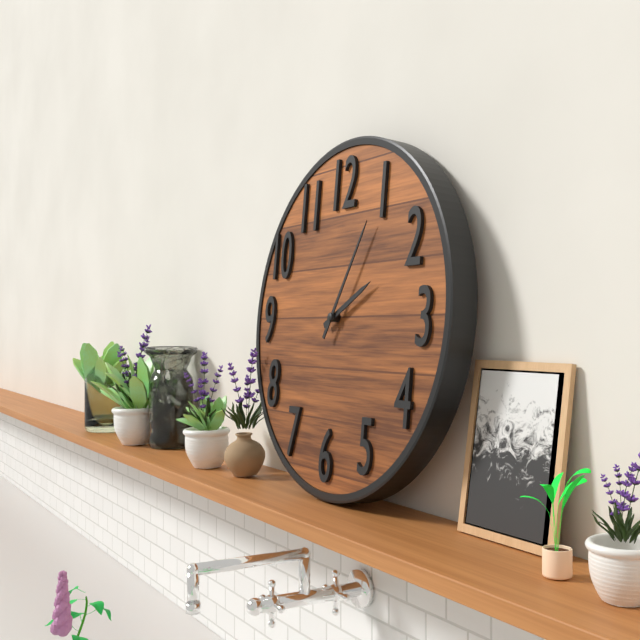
2.05
